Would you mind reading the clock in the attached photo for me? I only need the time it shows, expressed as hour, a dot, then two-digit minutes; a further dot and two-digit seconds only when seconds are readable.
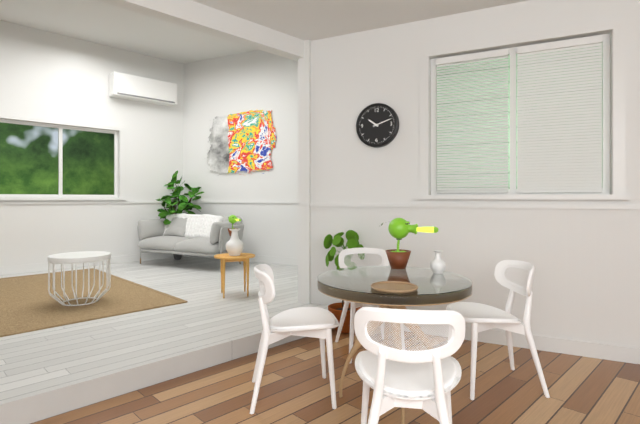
10.12
